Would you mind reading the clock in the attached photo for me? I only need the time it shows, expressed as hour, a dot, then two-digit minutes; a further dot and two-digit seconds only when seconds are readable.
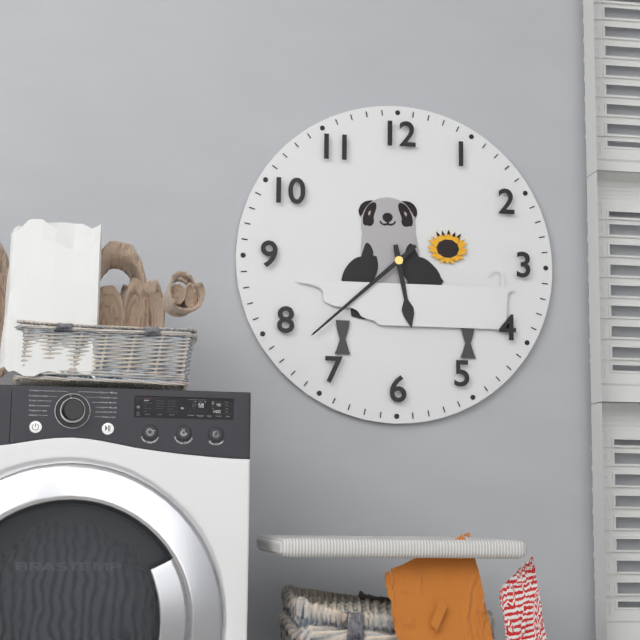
5.38
